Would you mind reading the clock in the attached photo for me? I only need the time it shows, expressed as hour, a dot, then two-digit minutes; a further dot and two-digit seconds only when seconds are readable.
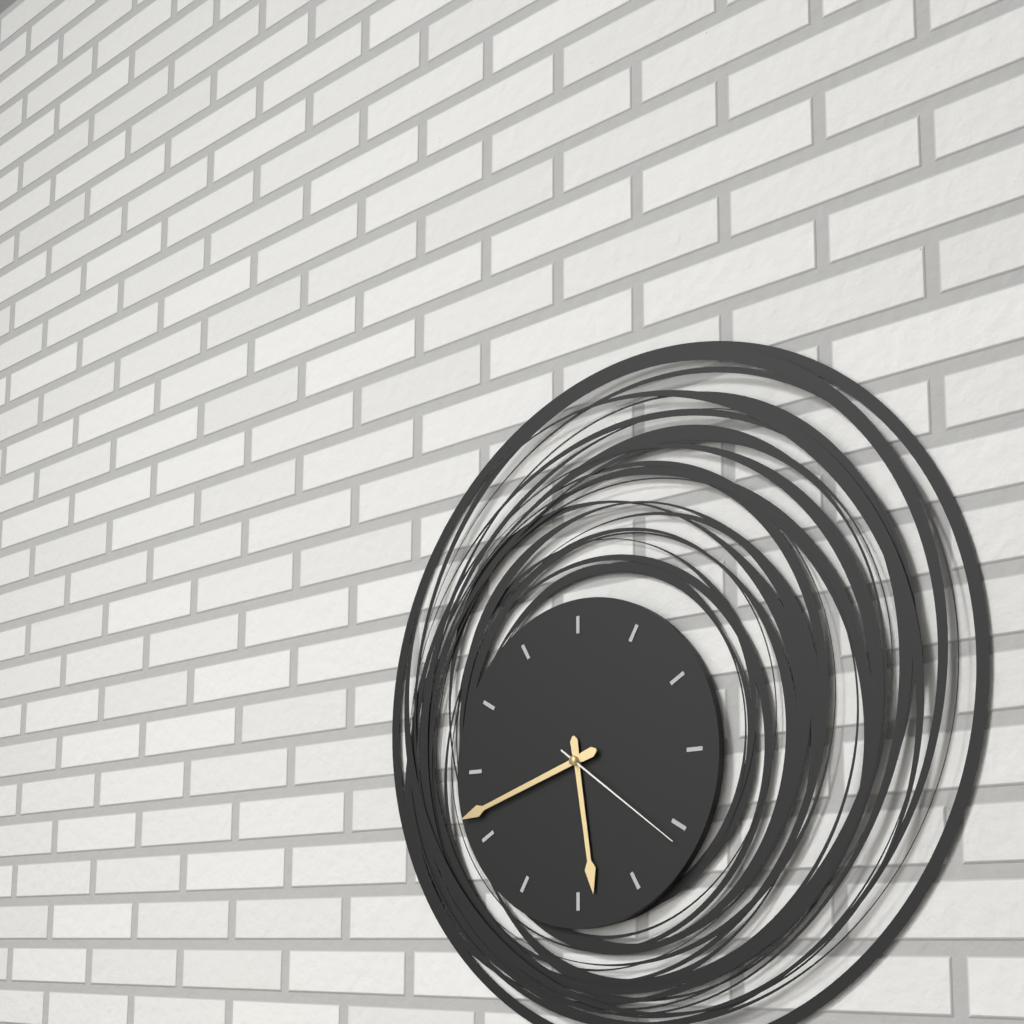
5.42.21
